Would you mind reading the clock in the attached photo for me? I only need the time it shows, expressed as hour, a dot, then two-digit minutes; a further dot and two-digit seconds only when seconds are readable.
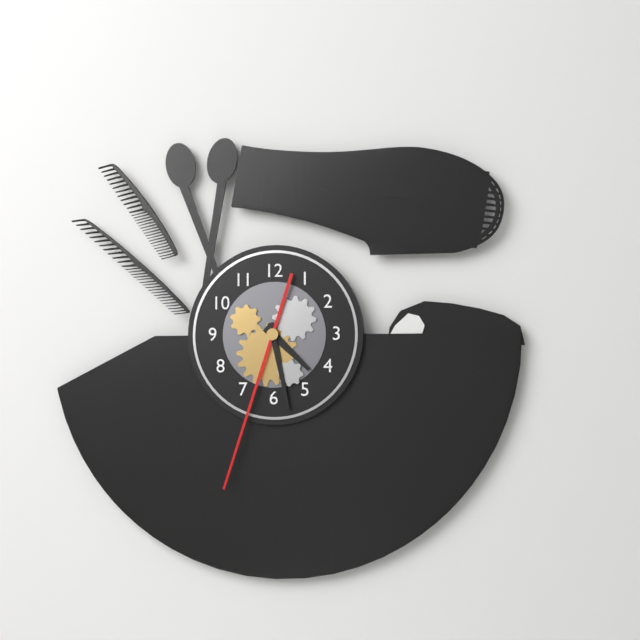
4.28.33
